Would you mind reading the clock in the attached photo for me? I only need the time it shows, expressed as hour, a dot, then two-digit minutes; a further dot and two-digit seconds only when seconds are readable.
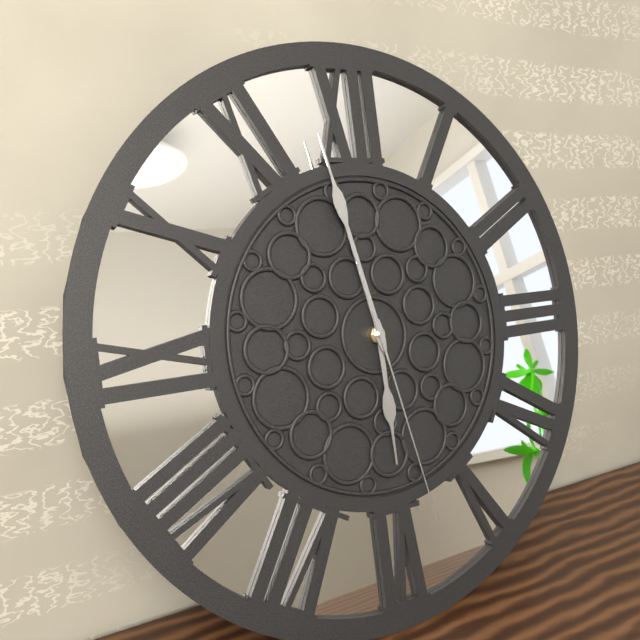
5.58.28
